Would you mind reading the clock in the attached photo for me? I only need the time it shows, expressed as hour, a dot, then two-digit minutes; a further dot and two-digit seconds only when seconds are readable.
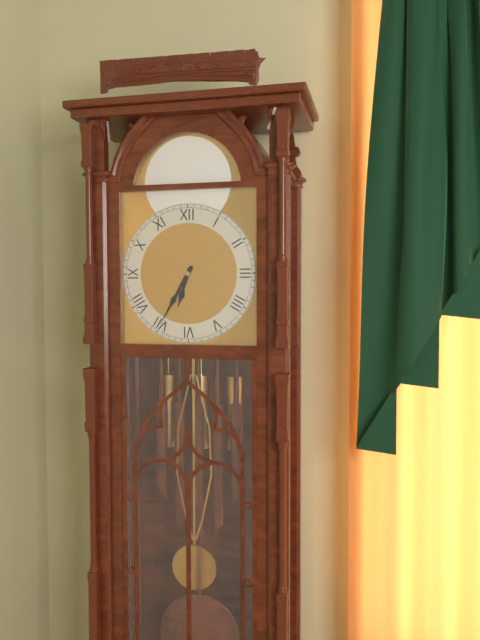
6.35
